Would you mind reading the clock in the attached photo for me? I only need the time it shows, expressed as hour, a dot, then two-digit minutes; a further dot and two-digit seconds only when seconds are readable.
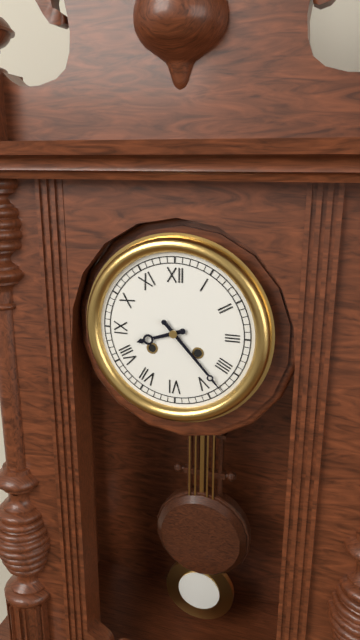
8.23
